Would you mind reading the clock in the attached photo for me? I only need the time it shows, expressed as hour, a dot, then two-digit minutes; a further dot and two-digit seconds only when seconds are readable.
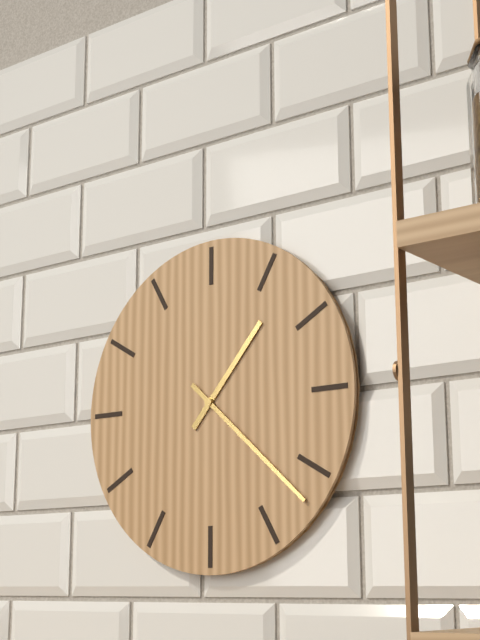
1.22
